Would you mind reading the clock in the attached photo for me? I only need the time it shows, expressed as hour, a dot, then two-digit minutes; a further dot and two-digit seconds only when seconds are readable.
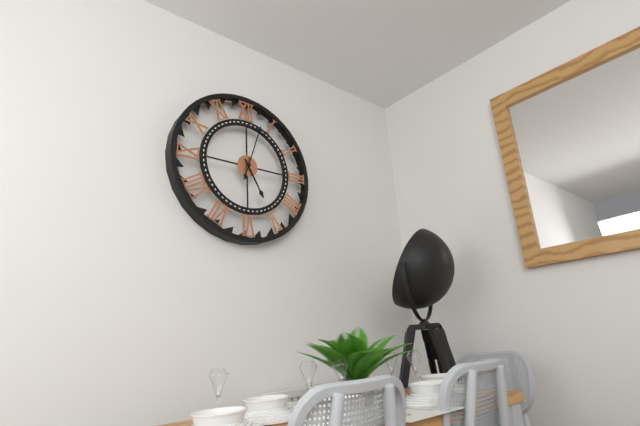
5.03
